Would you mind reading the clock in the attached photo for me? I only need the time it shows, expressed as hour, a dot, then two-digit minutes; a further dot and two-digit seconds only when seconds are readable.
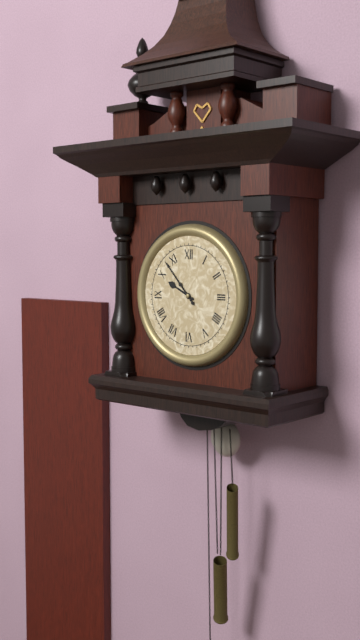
9.53
